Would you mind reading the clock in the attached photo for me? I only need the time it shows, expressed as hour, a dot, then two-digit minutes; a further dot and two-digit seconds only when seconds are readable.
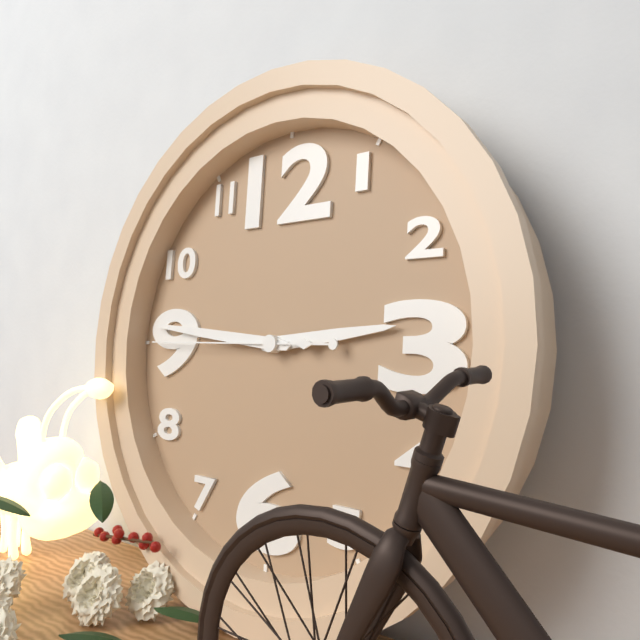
2.46.45
